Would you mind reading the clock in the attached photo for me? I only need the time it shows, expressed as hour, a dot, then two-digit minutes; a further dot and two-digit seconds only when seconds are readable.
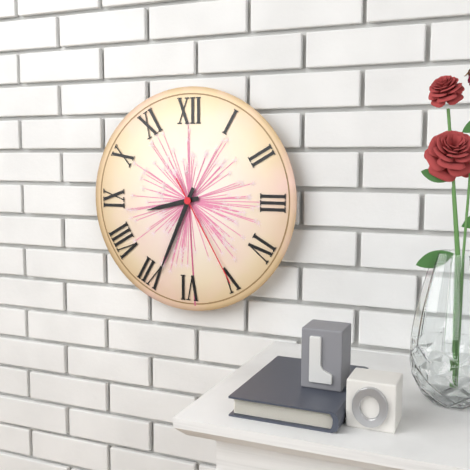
8.34.25
